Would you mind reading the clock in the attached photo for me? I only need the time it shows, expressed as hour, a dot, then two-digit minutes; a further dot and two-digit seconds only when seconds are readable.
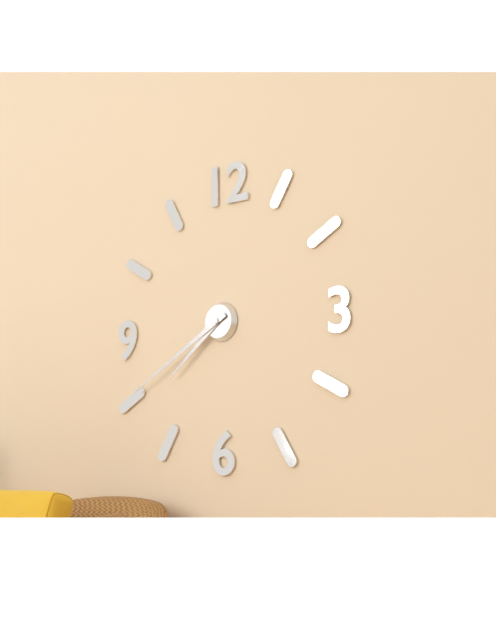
7.40
